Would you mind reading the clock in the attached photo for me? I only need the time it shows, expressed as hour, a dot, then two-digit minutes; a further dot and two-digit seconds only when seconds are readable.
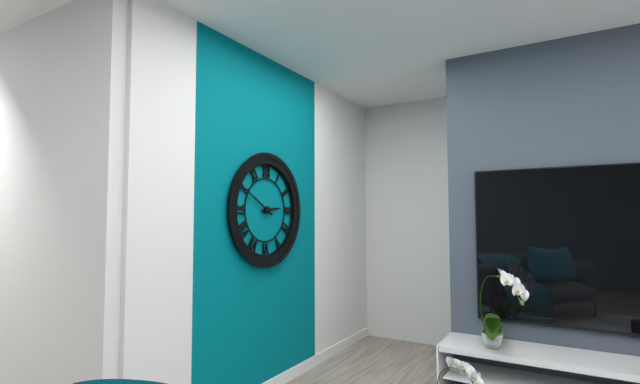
2.50
